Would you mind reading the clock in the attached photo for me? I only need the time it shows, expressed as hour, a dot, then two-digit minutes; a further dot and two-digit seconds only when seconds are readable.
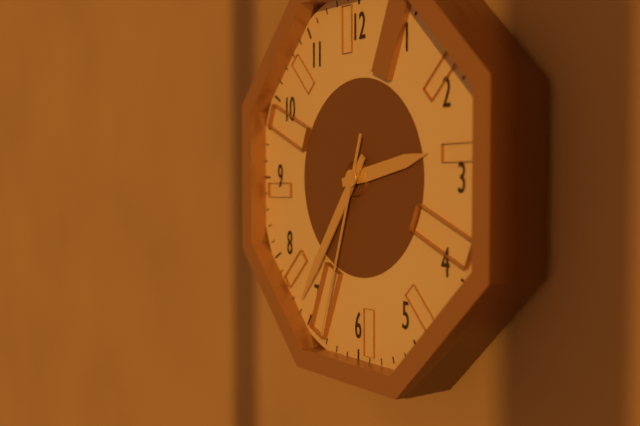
2.36.33
